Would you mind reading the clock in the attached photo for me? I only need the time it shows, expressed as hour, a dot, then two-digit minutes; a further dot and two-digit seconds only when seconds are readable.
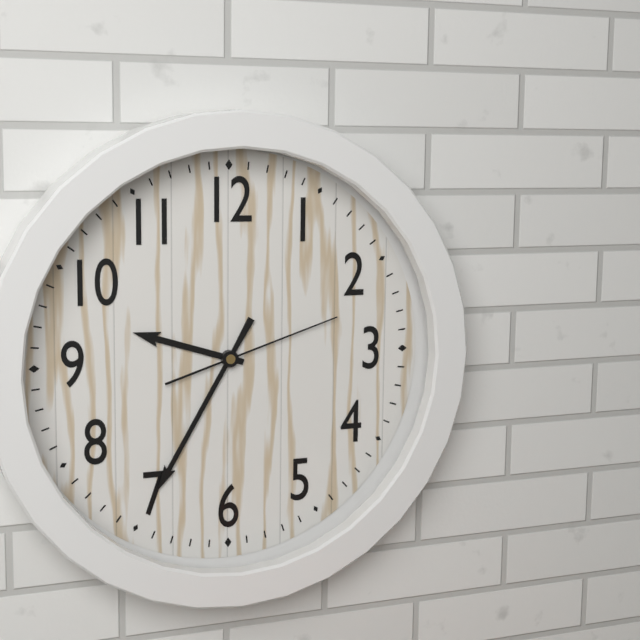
9.35.12
